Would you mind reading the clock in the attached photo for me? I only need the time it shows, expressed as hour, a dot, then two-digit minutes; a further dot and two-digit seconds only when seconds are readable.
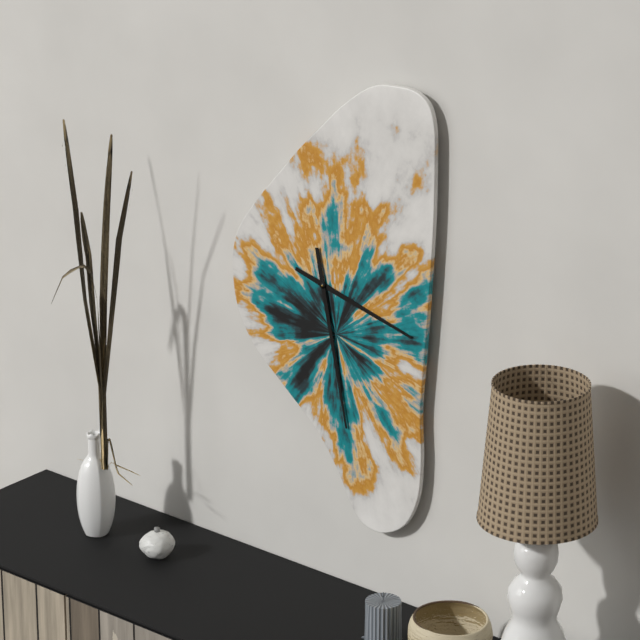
3.28
